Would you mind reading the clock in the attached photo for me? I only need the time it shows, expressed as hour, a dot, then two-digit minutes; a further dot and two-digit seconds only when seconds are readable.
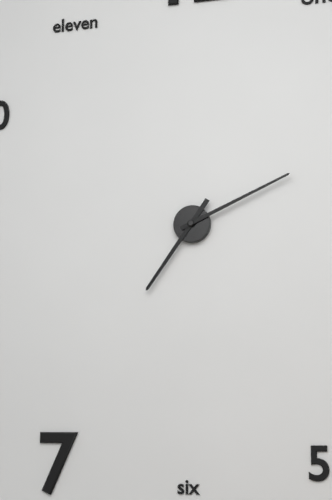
7.11
